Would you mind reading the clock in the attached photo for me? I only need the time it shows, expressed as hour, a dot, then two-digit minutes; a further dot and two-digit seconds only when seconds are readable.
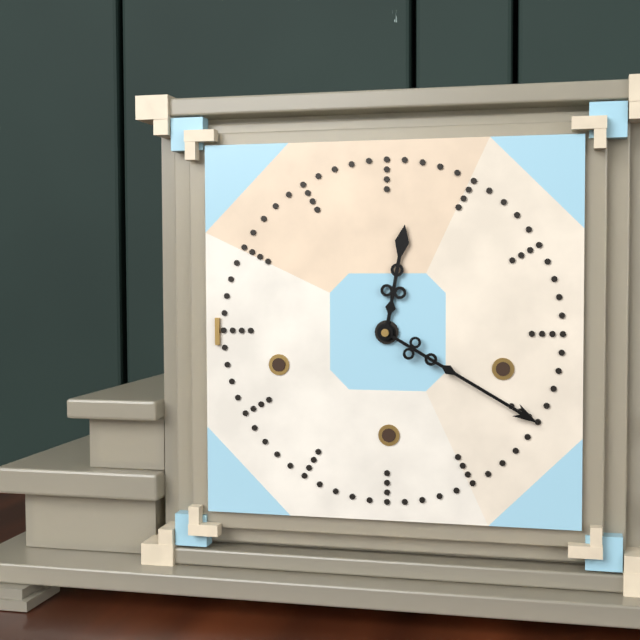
12.20
